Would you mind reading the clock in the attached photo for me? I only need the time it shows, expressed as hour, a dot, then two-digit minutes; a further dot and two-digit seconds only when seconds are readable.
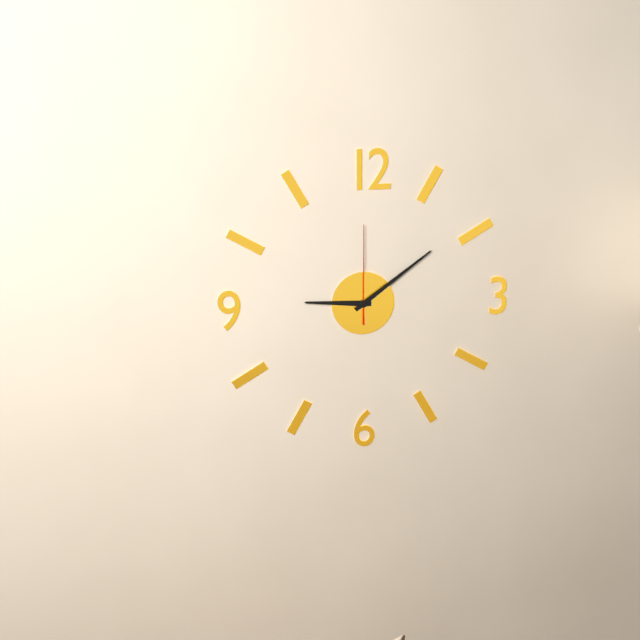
9.09.00
